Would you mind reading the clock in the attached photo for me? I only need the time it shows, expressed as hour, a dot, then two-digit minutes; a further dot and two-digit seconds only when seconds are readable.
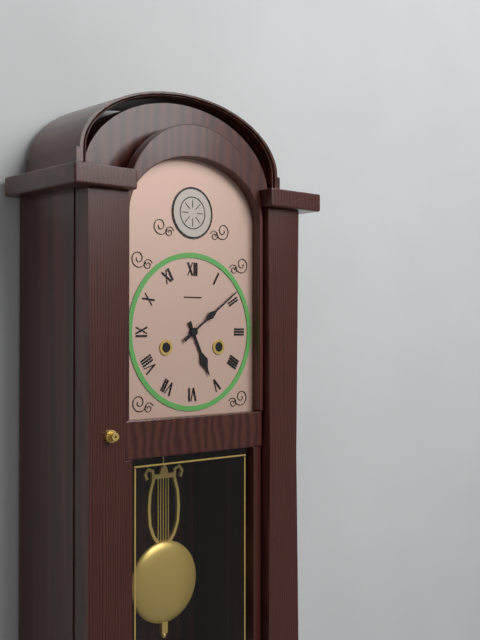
5.09
